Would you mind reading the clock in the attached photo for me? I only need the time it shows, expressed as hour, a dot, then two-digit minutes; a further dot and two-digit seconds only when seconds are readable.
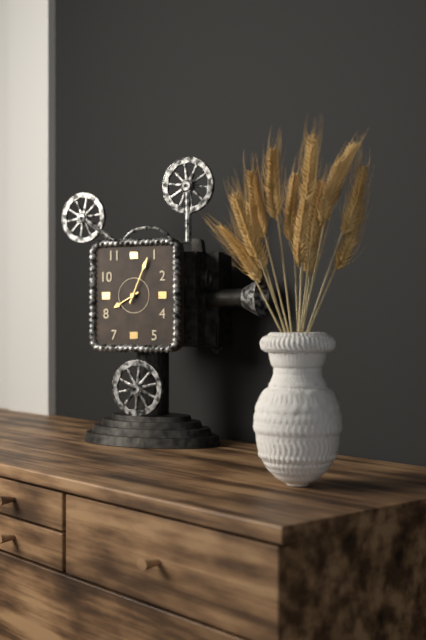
8.04
